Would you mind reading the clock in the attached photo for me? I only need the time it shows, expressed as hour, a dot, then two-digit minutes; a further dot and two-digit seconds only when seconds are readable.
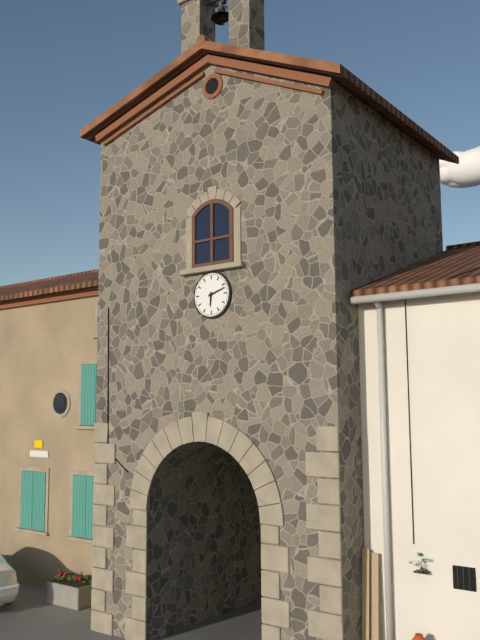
6.12
